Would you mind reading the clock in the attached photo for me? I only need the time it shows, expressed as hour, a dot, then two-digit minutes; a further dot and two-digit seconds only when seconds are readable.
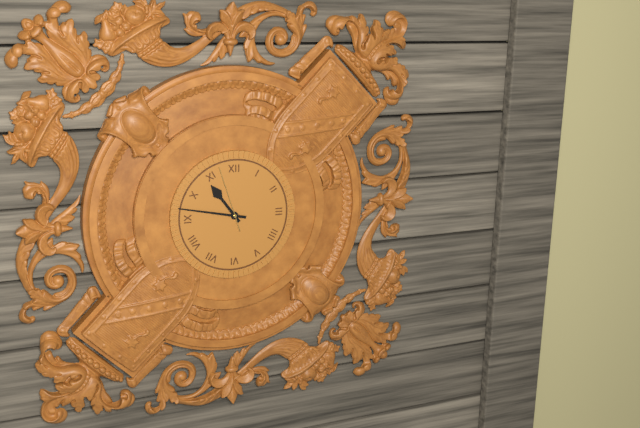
10.47.57
